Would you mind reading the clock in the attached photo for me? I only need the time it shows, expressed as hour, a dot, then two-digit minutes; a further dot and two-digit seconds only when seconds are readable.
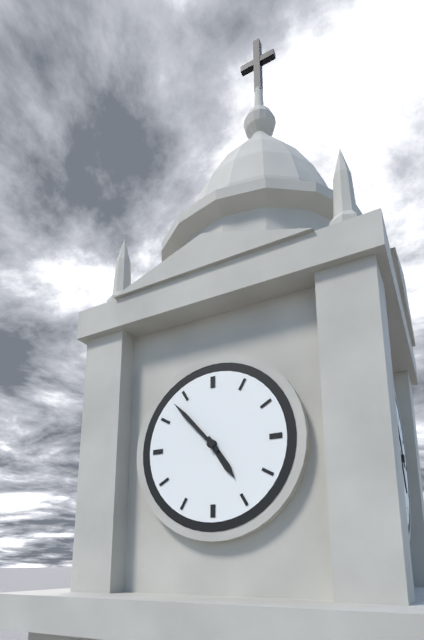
4.53
